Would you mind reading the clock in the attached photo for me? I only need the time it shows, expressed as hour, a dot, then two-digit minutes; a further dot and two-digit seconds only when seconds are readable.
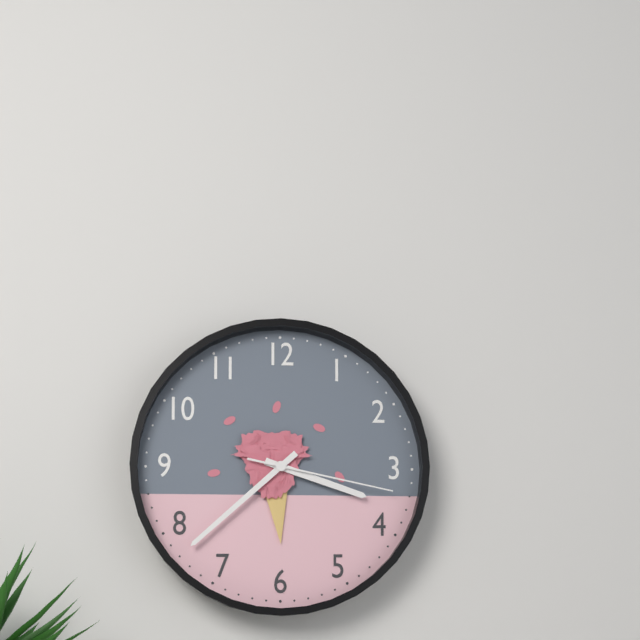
3.38.17
